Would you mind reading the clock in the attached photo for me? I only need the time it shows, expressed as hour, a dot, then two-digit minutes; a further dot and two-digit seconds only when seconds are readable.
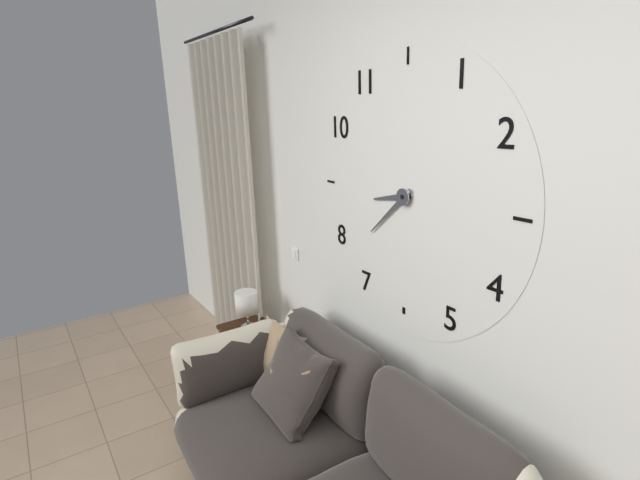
8.38
